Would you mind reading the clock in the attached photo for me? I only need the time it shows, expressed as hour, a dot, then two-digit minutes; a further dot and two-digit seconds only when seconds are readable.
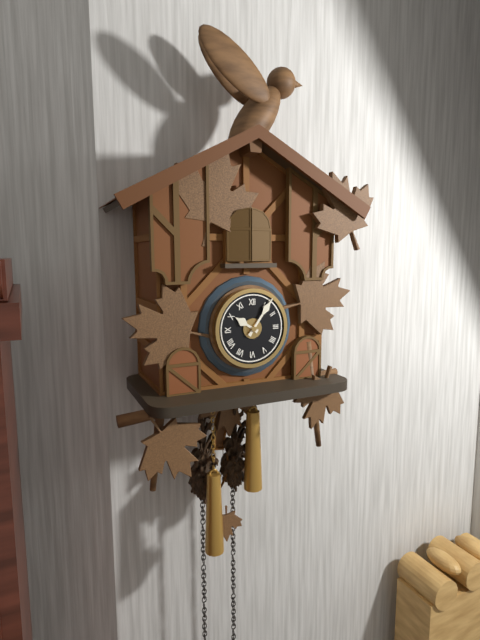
10.06
